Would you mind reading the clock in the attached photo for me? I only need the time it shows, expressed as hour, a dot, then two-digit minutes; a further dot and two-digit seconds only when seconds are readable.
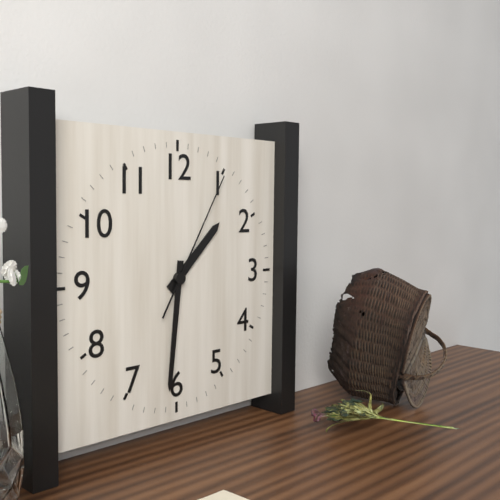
1.31.05
